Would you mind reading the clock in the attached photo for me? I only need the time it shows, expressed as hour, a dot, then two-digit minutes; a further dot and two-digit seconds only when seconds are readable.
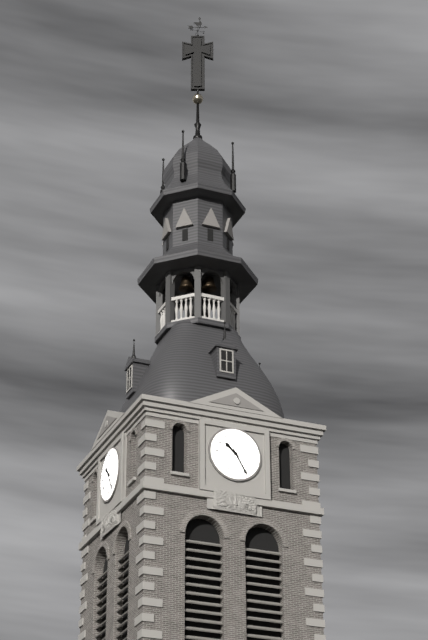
10.25
